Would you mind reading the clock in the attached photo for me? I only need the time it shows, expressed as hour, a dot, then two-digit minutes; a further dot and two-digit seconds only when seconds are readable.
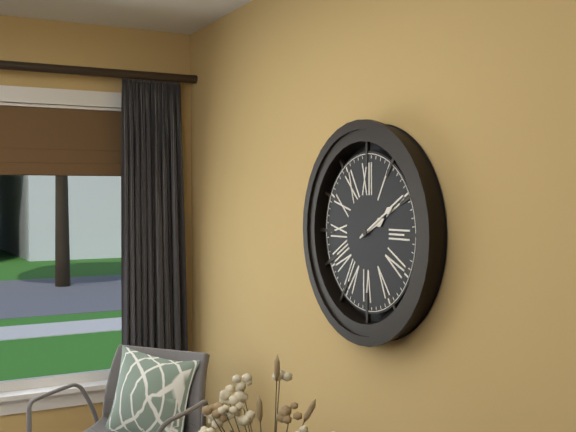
2.10
